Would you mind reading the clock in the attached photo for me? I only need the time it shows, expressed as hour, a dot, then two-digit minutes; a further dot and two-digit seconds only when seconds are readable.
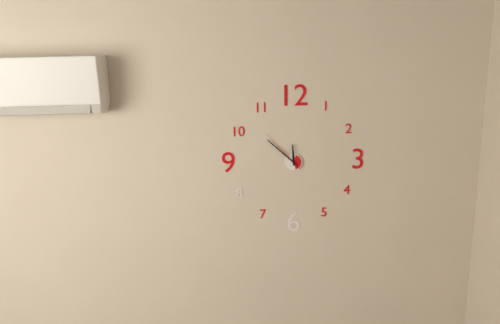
11.52.53
